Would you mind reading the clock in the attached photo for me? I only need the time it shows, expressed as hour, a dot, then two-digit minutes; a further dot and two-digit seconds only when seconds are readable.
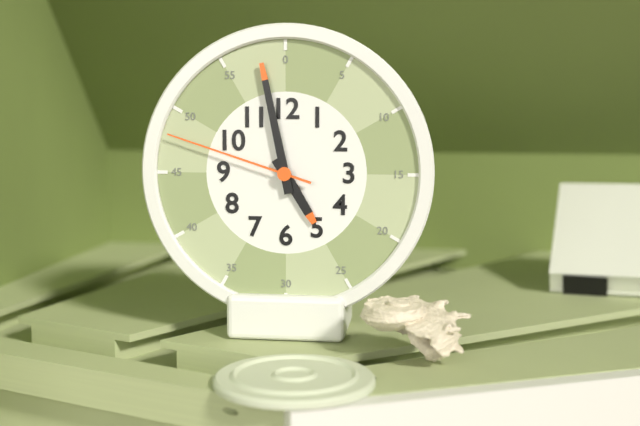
4.58.48
